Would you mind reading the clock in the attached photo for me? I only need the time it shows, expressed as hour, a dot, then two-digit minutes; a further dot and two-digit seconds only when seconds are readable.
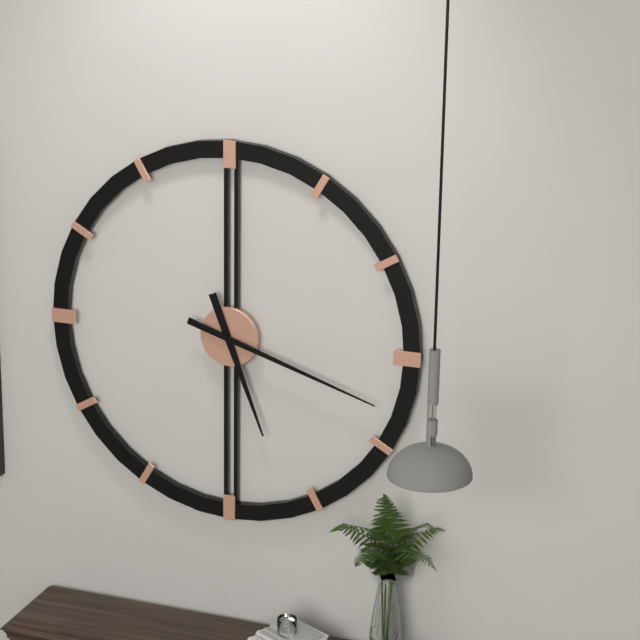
5.18
